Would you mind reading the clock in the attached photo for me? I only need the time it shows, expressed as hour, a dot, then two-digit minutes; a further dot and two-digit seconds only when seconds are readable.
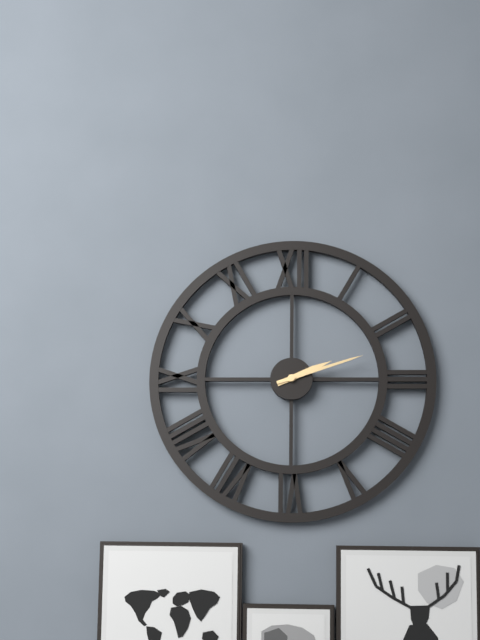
2.12
